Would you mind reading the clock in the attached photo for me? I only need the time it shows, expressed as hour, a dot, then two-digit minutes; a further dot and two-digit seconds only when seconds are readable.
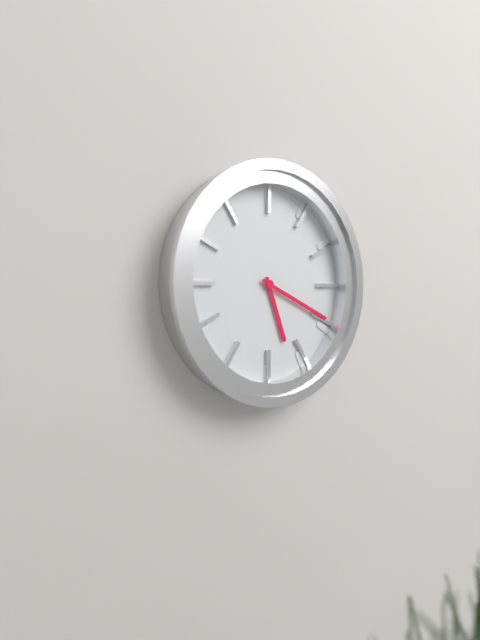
5.19
